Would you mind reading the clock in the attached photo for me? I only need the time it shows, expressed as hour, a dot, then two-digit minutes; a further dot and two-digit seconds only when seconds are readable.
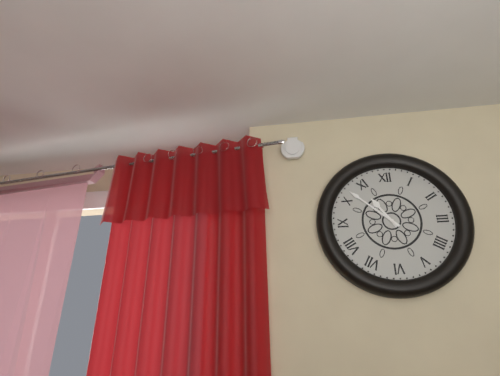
10.52
